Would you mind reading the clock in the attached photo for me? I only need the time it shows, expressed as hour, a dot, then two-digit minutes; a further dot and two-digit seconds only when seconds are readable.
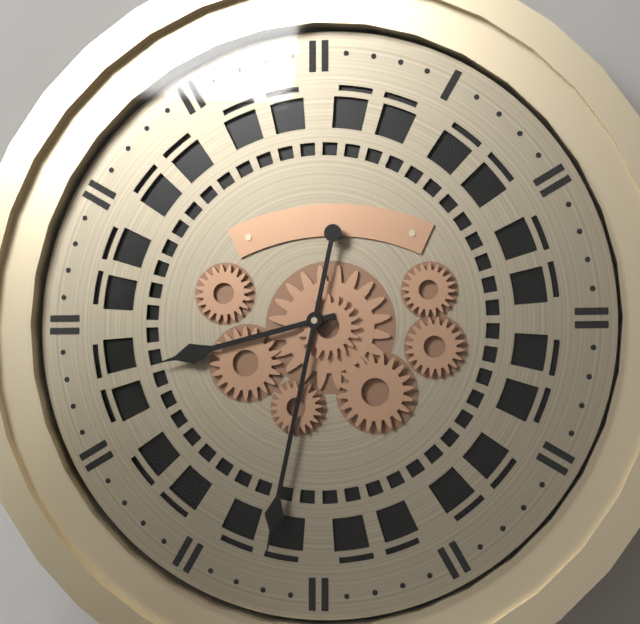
8.32
